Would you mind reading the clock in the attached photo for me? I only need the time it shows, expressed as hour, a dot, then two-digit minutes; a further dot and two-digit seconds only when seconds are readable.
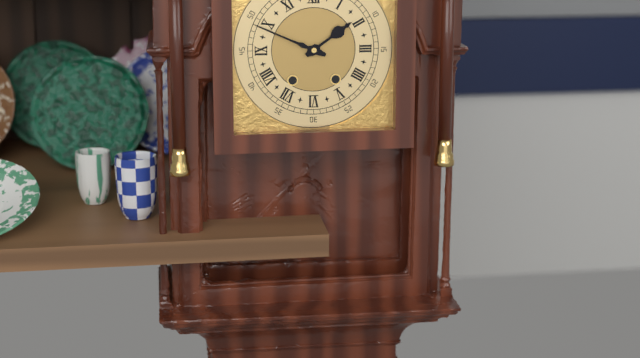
1.49
